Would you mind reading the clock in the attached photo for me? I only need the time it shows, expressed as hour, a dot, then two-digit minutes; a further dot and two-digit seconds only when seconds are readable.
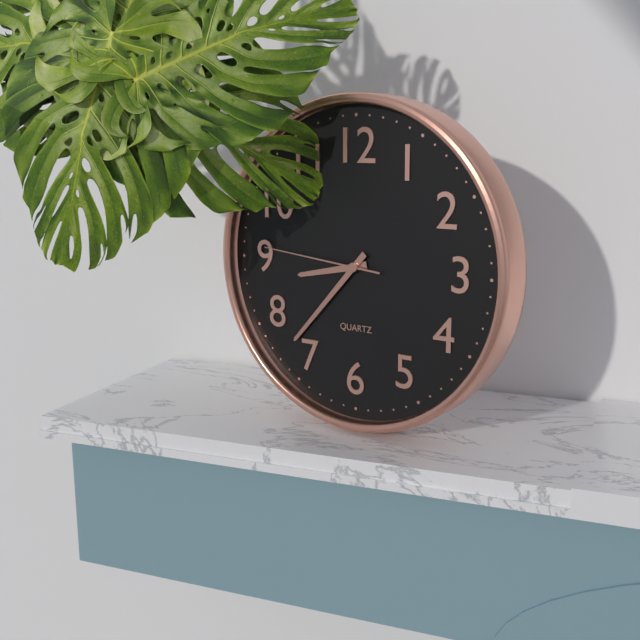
8.37.46
